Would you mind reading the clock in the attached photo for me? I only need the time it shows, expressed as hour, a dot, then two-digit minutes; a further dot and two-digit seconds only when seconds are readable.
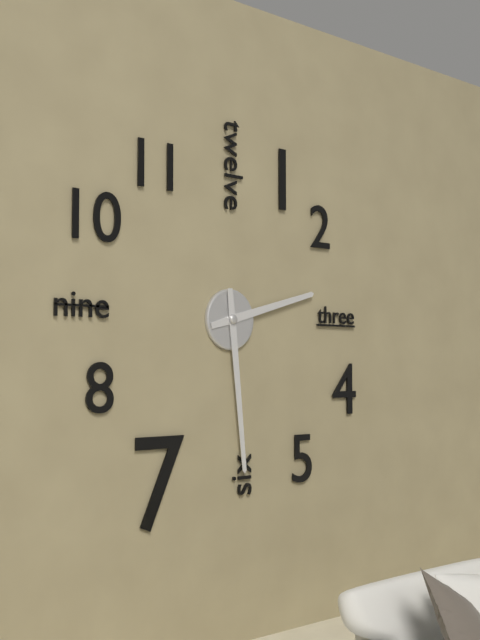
2.29
